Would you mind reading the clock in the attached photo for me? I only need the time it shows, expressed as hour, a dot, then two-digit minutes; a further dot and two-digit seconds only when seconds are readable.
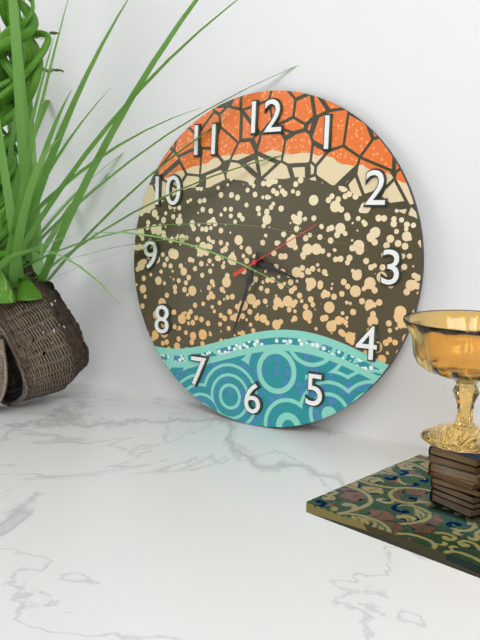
3.33.10
